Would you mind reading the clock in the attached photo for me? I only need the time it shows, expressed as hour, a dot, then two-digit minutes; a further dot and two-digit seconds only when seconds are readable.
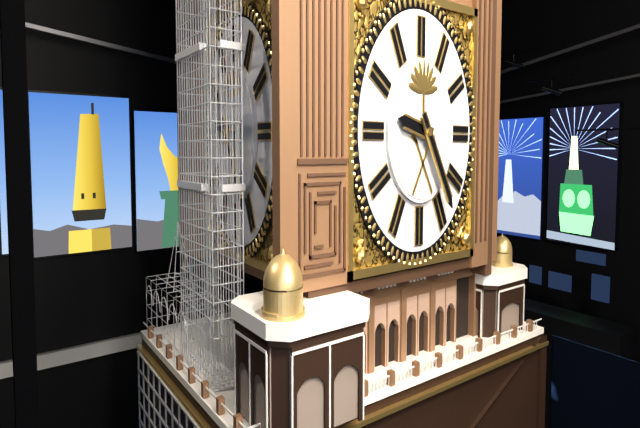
9.24
